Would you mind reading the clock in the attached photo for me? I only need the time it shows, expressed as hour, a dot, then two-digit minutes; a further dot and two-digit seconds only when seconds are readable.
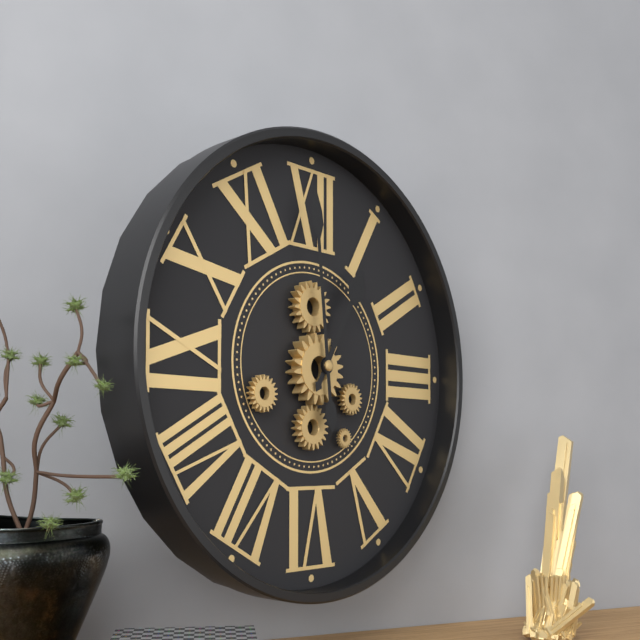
12.59
